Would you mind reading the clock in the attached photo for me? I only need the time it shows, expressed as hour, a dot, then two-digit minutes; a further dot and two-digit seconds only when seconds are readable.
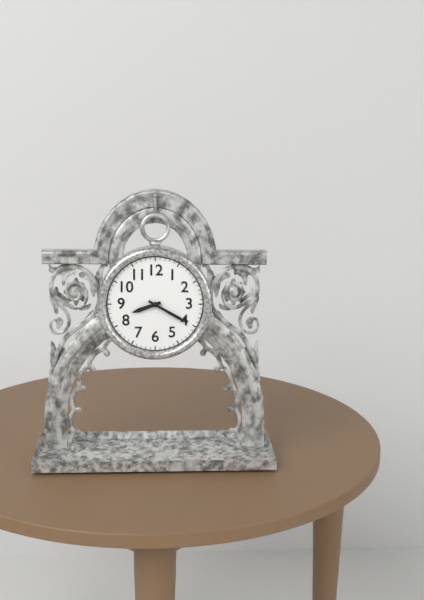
8.20
